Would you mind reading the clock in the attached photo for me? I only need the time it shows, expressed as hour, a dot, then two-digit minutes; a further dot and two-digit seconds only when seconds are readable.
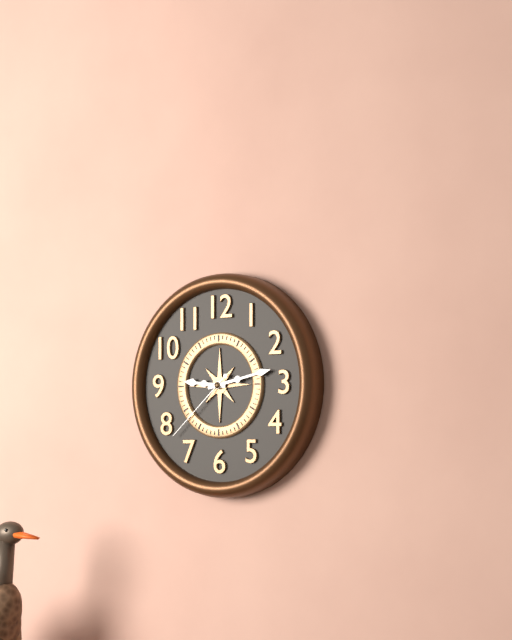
9.13.38
